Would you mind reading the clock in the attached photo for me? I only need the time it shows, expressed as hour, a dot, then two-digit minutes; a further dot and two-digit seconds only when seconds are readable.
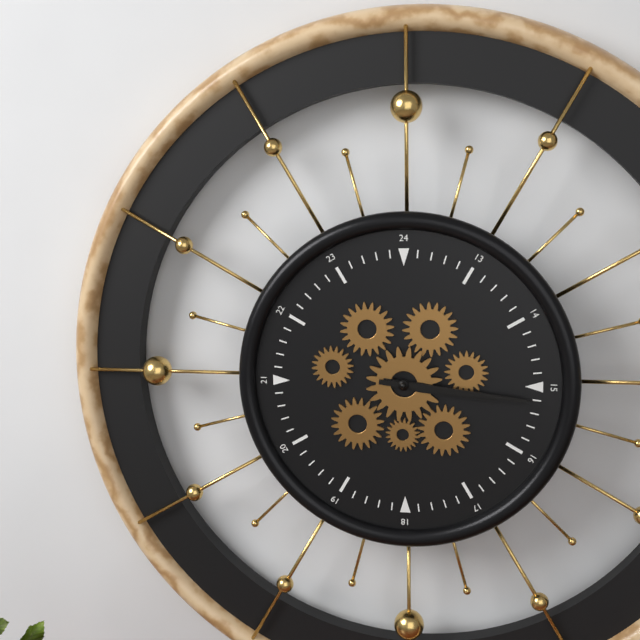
3.16
